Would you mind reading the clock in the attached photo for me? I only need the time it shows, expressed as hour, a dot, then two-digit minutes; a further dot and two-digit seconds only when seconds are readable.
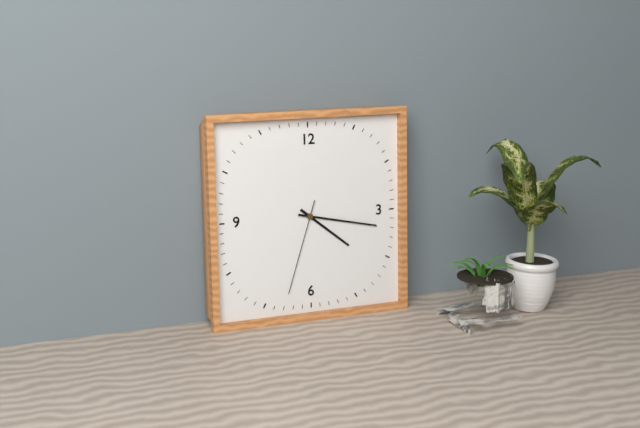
4.17.33
